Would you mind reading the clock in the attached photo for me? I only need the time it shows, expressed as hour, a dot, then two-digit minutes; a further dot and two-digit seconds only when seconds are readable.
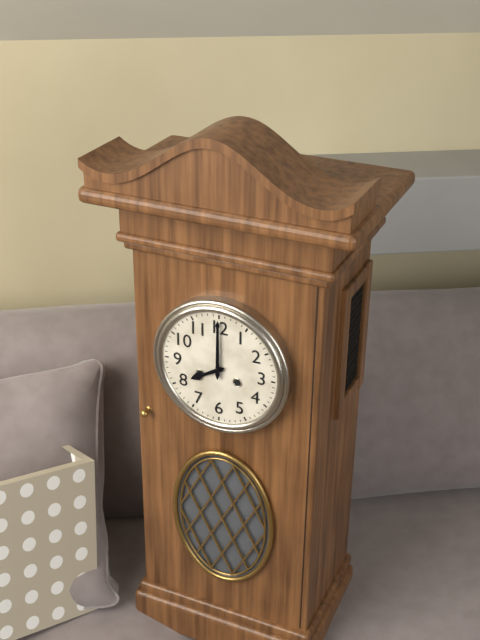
8.00
